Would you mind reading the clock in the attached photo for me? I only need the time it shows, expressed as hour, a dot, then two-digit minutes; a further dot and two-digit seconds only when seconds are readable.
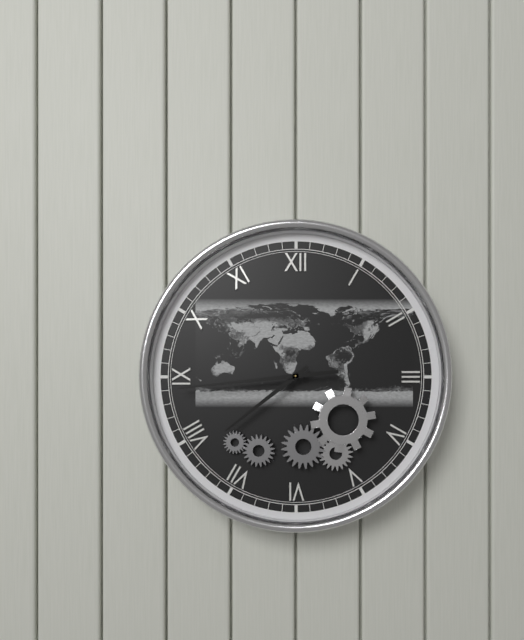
7.44
